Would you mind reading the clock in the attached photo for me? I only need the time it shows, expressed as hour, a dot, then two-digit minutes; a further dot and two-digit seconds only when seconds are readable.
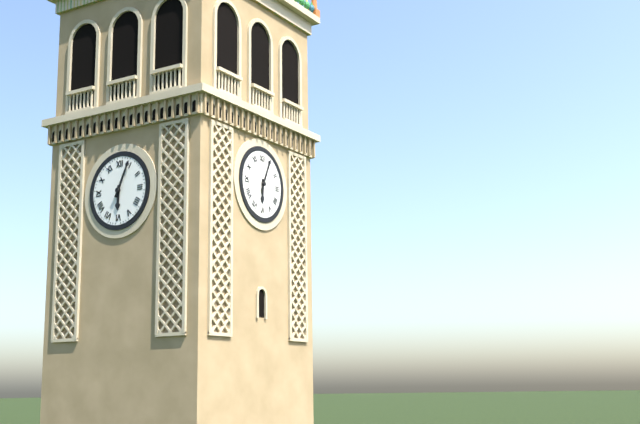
6.04
